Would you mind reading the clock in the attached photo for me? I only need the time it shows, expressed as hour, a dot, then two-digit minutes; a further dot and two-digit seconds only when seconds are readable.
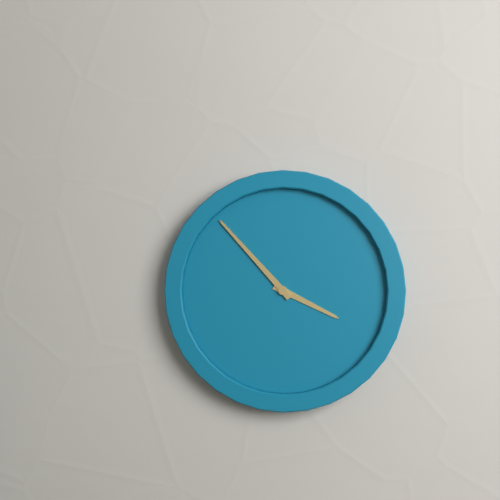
3.53
